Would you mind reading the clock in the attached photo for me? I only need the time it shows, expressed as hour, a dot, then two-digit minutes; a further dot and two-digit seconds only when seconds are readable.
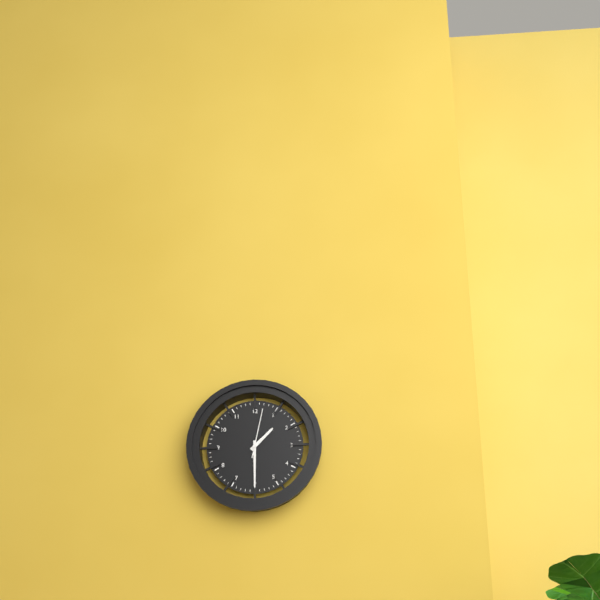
1.30
